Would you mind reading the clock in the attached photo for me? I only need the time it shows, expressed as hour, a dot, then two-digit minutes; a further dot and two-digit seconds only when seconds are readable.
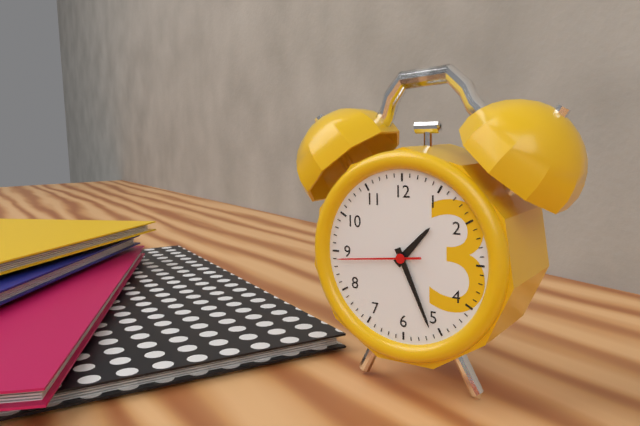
1.26.44
